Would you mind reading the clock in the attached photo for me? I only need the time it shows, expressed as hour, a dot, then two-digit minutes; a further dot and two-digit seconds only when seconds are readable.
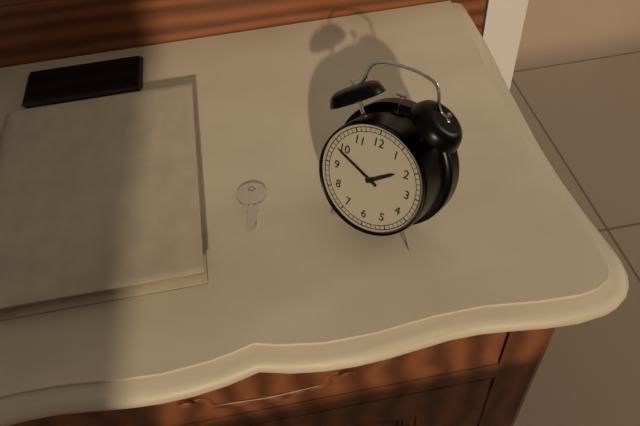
1.49
